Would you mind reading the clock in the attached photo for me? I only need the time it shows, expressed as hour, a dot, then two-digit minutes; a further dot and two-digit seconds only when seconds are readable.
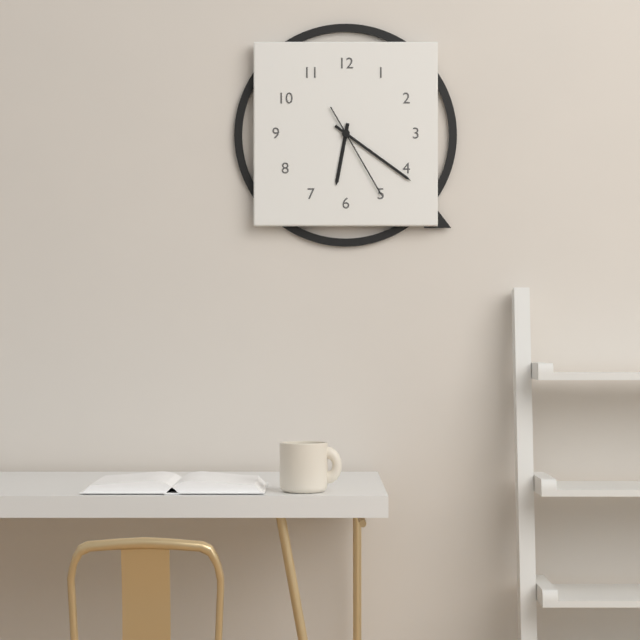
6.21.25
